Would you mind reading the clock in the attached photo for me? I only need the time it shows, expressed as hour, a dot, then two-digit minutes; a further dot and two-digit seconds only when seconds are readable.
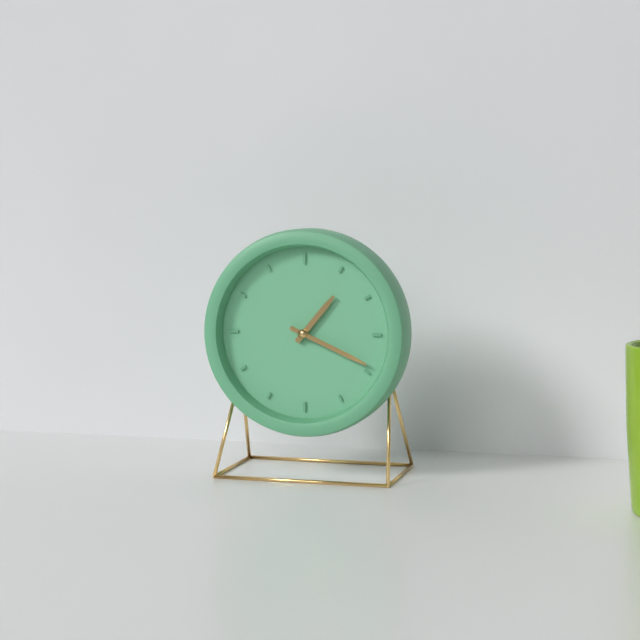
1.19
